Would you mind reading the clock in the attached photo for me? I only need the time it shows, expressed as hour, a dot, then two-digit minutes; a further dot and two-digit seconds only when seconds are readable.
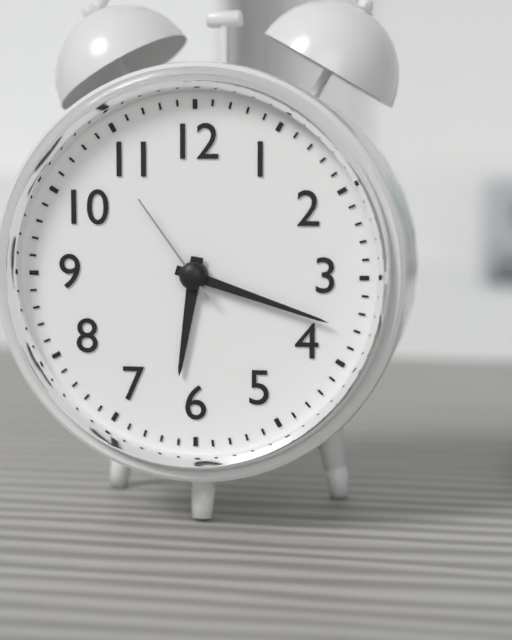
6.18.54
